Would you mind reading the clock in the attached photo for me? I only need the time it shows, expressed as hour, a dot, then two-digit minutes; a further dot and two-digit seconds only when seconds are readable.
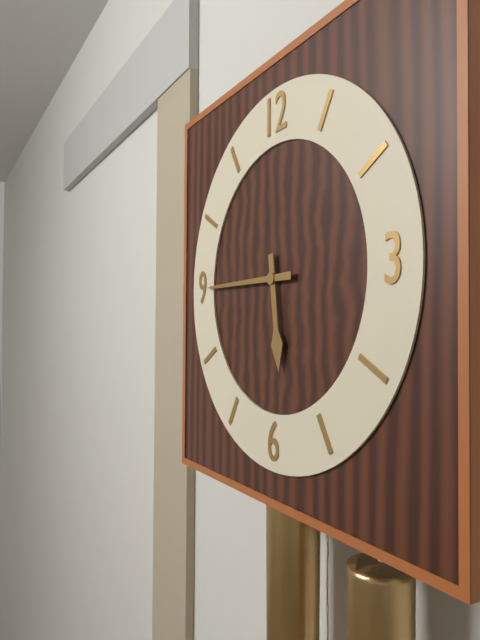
5.45
